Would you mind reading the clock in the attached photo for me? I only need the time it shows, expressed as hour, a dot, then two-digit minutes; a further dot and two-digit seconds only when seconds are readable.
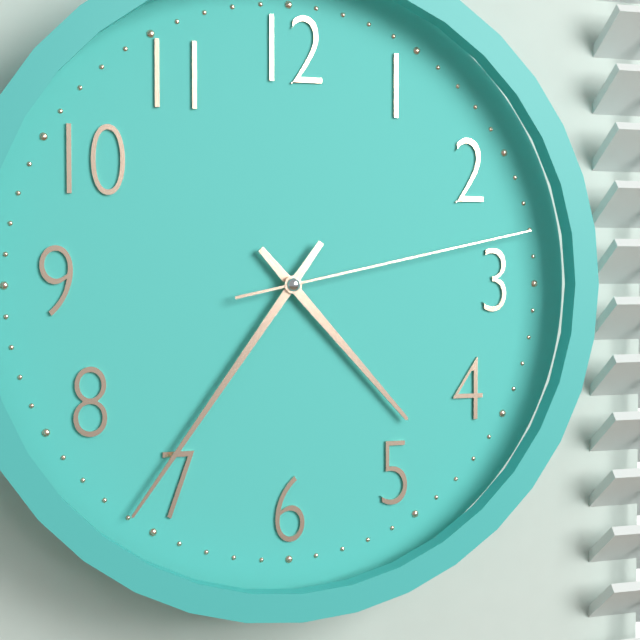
4.36.13
